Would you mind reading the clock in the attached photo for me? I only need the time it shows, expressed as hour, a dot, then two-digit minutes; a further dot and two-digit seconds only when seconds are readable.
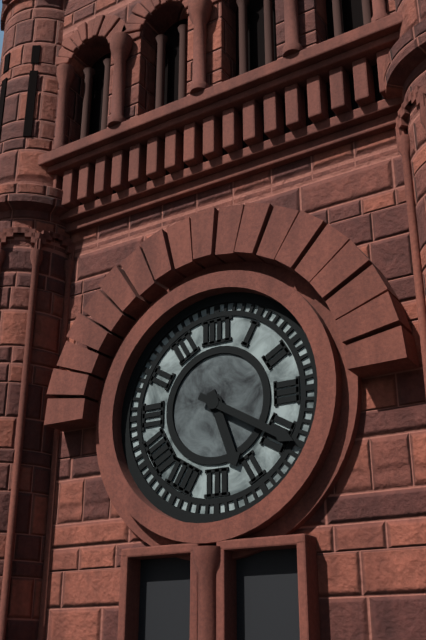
5.20
